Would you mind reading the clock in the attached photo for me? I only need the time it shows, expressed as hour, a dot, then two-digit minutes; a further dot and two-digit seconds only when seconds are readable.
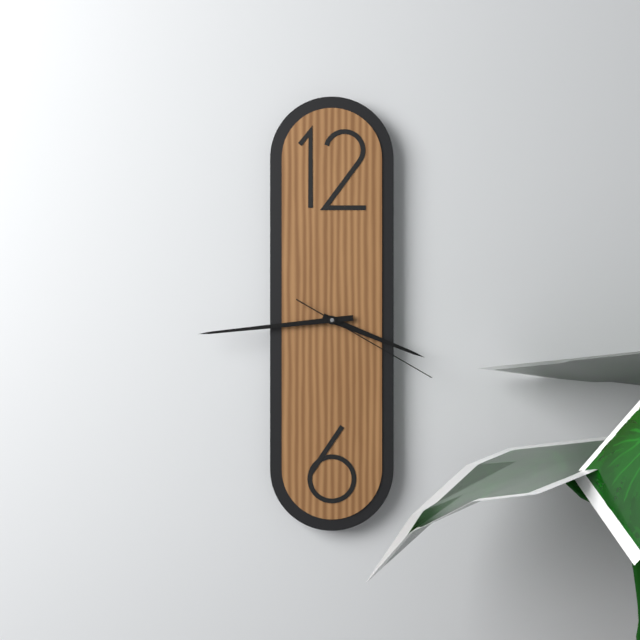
3.44.20
